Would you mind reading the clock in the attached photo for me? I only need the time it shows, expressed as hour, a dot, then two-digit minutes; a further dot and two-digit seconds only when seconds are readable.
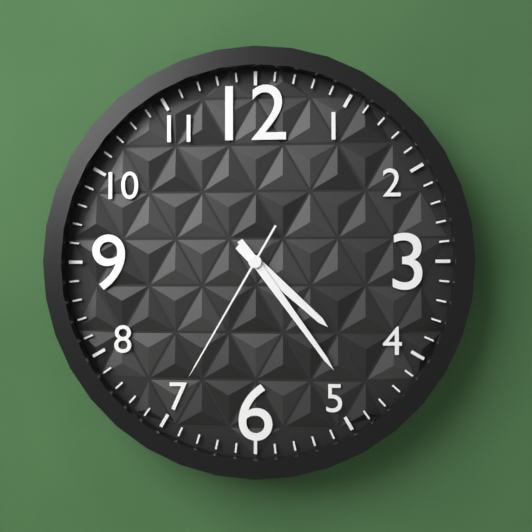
4.24.35
